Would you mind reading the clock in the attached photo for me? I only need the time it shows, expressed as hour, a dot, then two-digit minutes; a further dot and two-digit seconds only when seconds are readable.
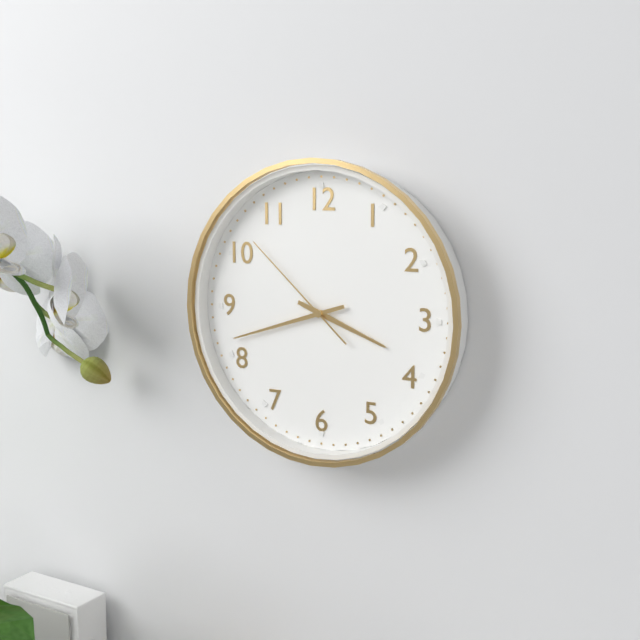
3.42.52
